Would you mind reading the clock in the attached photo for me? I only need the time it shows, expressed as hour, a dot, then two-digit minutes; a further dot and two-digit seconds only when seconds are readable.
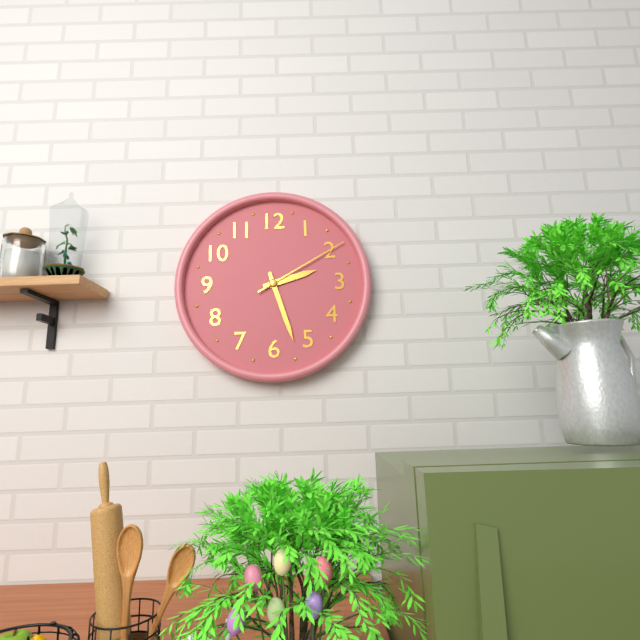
2.27.10
